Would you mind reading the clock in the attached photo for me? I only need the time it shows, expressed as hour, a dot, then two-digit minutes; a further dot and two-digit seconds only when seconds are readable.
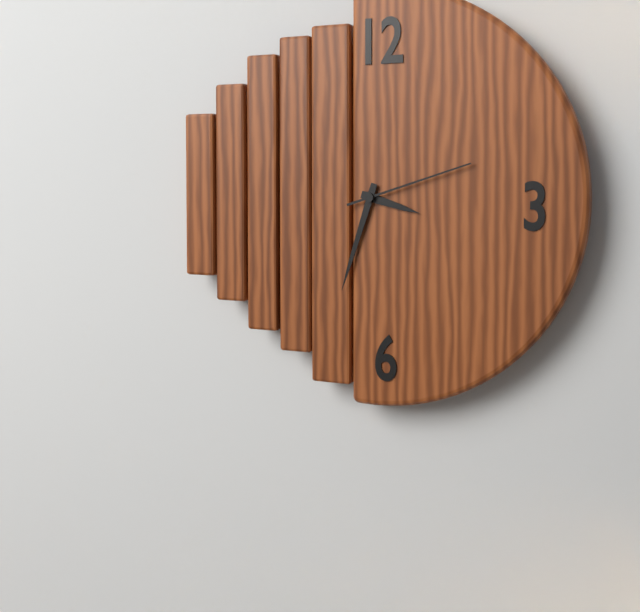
3.33.12
